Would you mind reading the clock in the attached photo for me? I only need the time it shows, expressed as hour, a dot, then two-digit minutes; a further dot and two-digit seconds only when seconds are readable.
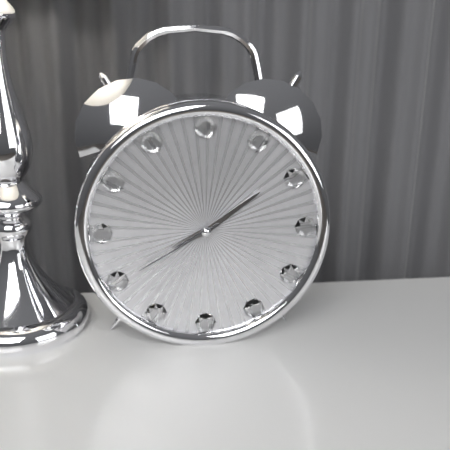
8.09.40
